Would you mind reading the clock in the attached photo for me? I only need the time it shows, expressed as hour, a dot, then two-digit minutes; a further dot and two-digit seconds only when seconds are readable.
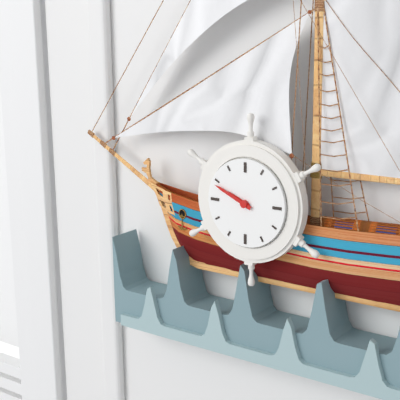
9.49
